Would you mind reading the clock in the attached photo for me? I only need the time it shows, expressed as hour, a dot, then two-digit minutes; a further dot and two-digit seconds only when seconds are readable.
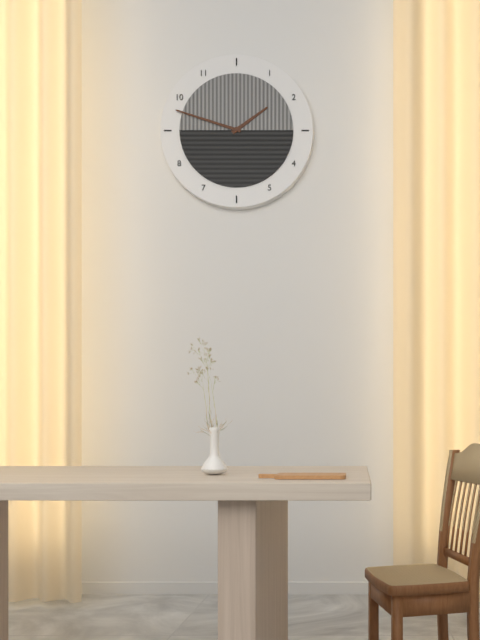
1.48
